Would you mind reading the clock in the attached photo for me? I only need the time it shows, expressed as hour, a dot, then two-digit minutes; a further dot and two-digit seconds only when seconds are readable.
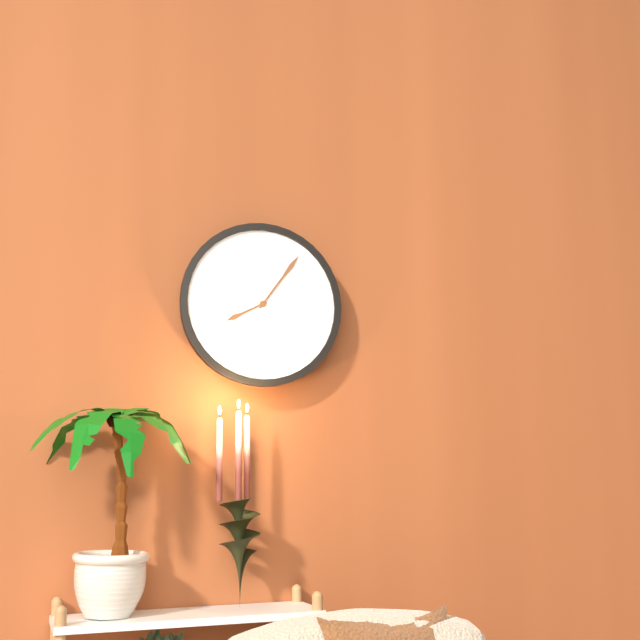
8.06
